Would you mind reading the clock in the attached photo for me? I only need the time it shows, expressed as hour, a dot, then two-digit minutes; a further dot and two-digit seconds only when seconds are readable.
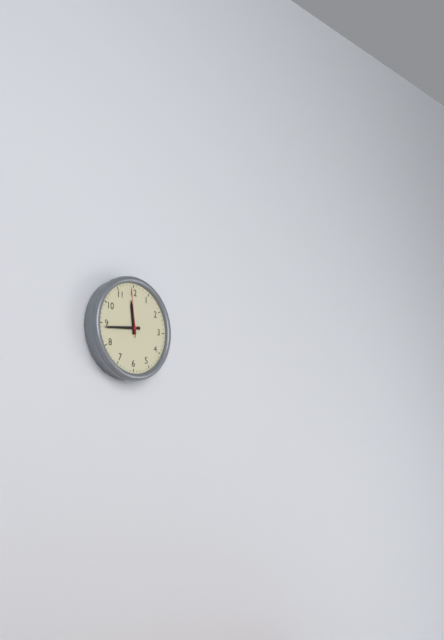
11.44.59
